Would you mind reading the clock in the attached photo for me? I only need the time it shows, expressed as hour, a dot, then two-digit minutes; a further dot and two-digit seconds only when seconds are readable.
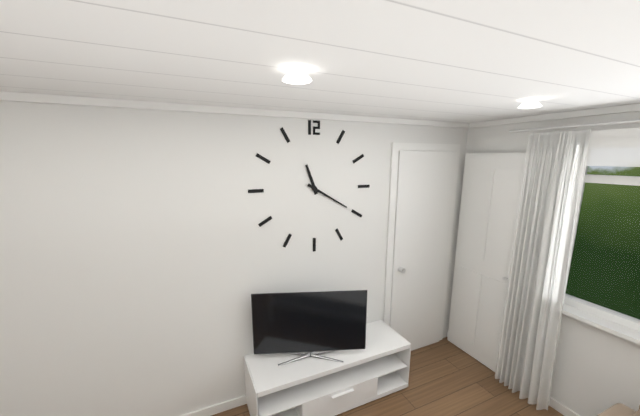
11.20
